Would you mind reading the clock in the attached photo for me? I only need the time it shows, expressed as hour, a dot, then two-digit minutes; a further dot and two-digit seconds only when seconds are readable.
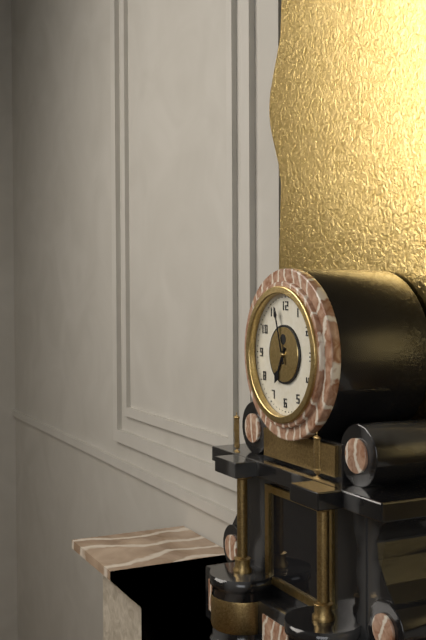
6.57
